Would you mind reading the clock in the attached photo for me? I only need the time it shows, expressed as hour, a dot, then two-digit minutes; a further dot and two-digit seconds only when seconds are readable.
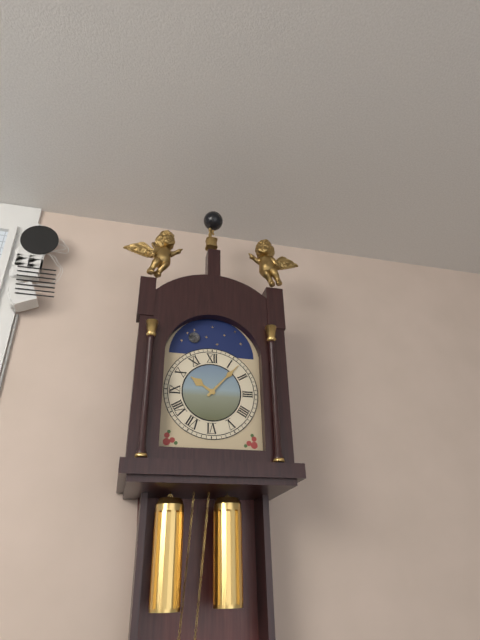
10.07
